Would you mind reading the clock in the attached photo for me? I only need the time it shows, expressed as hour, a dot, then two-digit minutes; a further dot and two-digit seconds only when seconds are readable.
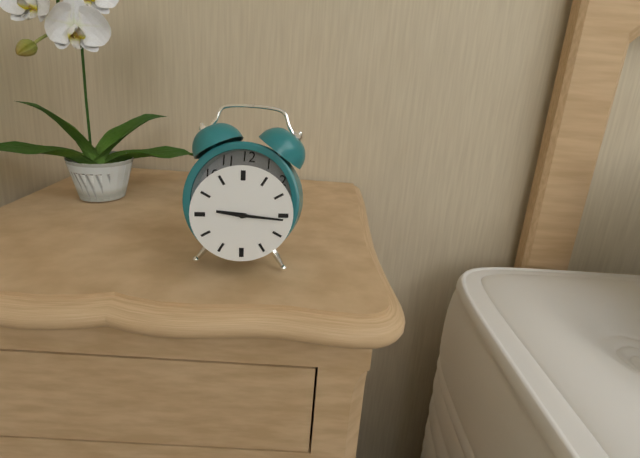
9.16
